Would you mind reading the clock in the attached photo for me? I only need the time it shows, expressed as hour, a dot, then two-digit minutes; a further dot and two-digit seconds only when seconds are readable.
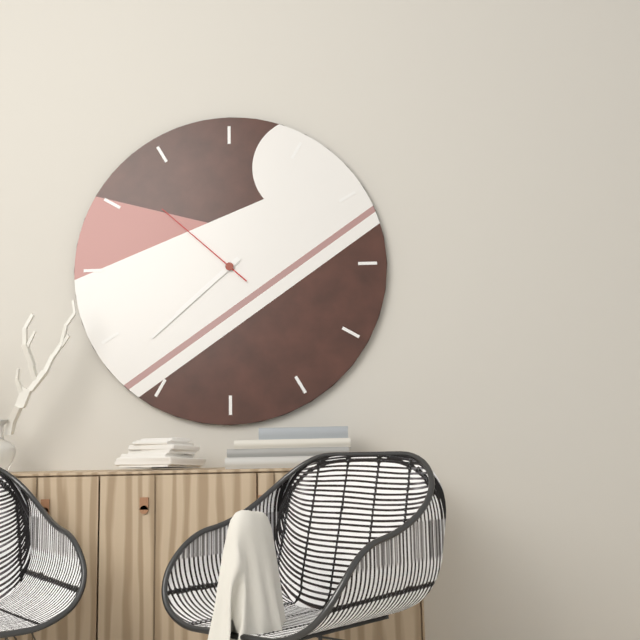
7.38.52
